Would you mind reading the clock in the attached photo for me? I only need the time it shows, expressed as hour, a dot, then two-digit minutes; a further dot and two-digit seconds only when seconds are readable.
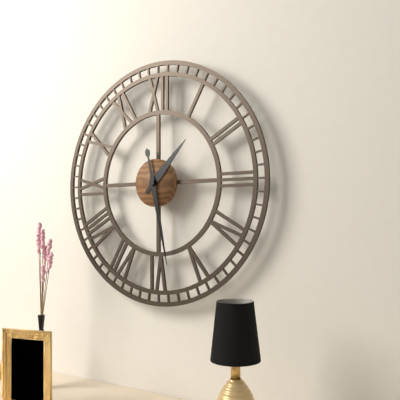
1.28
